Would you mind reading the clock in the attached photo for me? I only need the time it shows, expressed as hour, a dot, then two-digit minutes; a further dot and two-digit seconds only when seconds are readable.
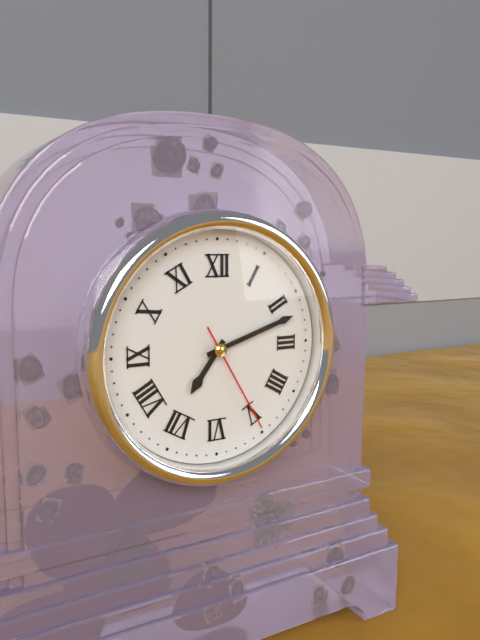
7.12.25
